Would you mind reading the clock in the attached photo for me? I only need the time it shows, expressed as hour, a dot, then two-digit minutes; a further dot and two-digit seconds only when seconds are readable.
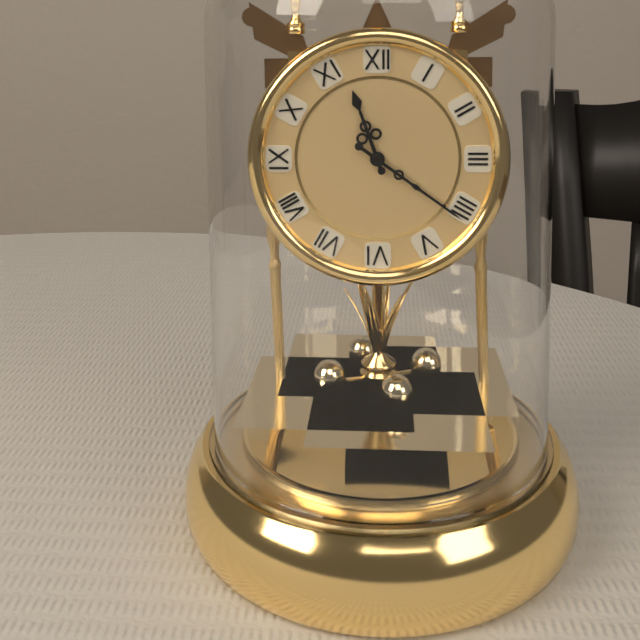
11.21
